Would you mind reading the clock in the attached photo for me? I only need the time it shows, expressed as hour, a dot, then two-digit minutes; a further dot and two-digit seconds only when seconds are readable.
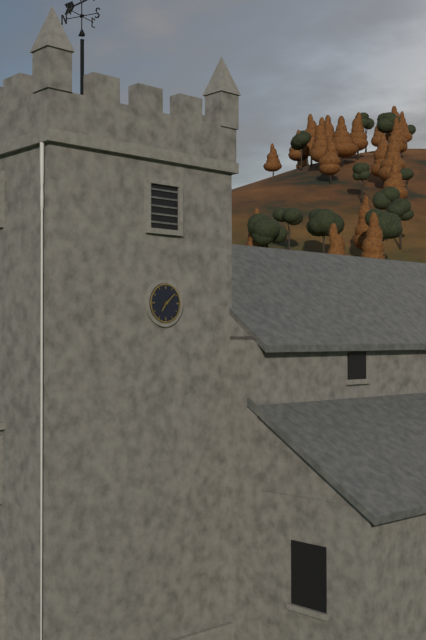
7.08
